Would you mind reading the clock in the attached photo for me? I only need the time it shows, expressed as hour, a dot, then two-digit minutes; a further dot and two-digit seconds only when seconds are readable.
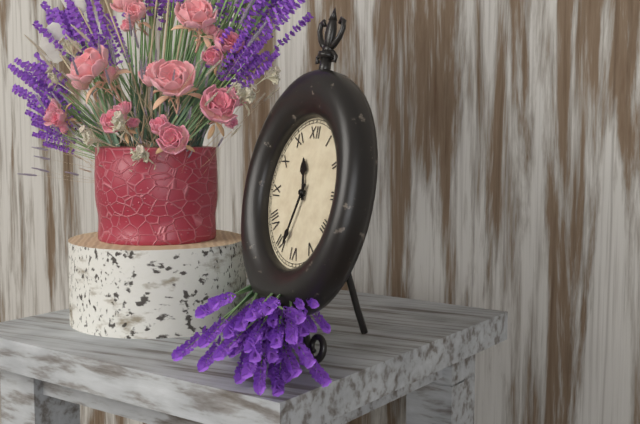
11.33
